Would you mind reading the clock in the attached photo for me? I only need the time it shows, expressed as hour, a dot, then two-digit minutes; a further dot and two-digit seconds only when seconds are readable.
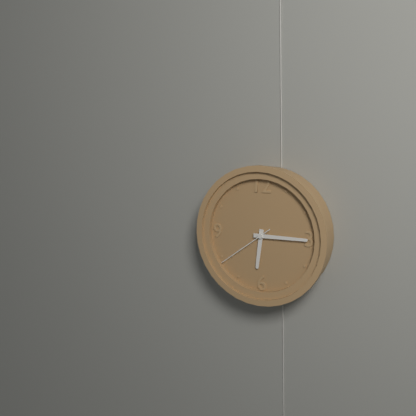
6.15.39
